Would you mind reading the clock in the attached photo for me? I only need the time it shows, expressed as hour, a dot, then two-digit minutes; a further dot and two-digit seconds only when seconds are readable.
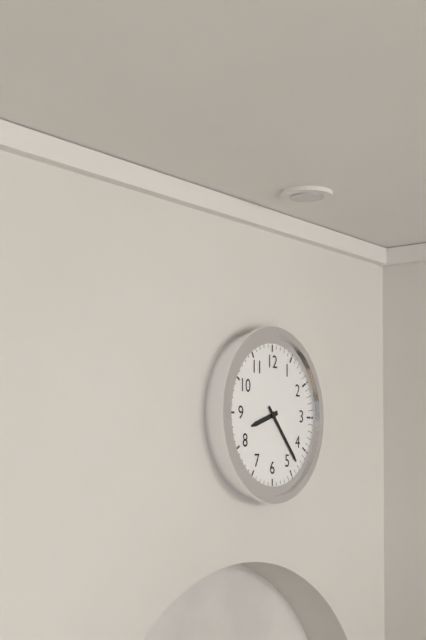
8.23
